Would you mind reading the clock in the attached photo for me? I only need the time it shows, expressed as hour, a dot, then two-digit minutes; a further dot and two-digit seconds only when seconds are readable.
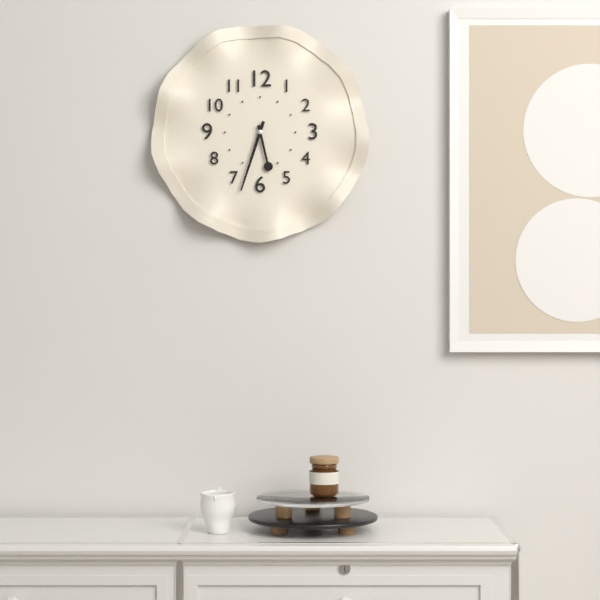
5.33
